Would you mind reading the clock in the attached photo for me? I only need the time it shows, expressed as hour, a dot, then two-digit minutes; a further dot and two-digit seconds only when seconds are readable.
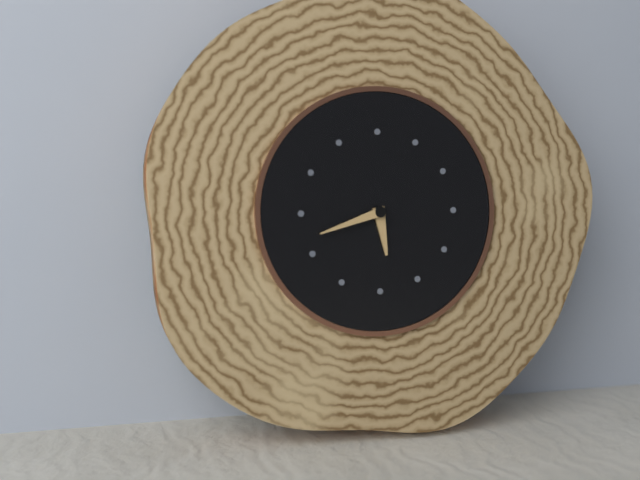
5.42
